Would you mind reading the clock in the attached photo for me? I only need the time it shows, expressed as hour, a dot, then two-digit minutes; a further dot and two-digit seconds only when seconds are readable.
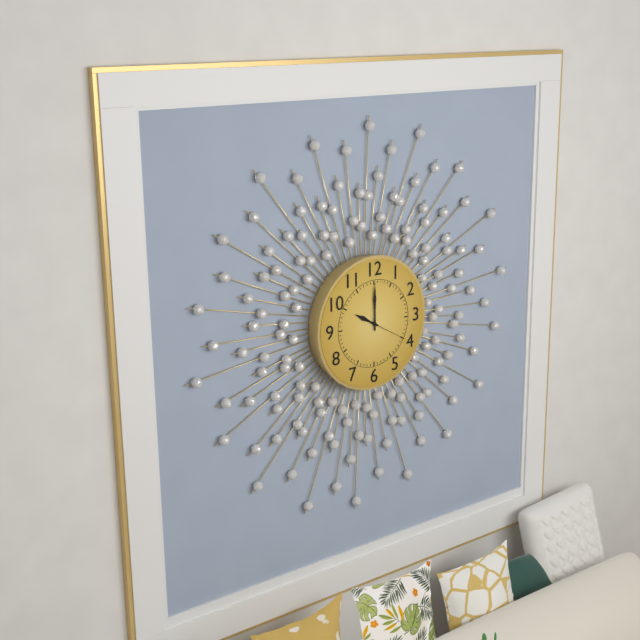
10.00
